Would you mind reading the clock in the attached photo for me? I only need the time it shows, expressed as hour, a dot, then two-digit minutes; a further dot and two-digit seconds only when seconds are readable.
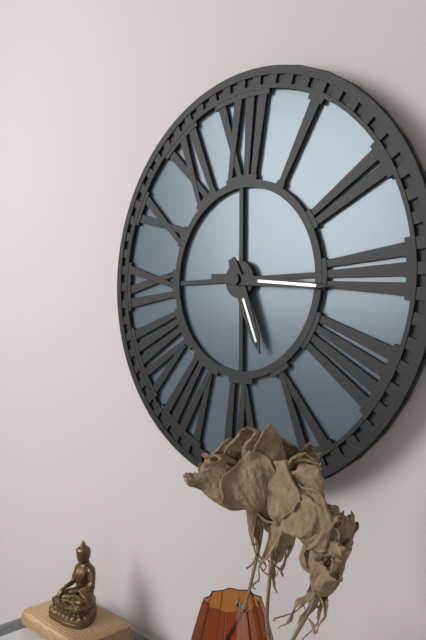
5.16
